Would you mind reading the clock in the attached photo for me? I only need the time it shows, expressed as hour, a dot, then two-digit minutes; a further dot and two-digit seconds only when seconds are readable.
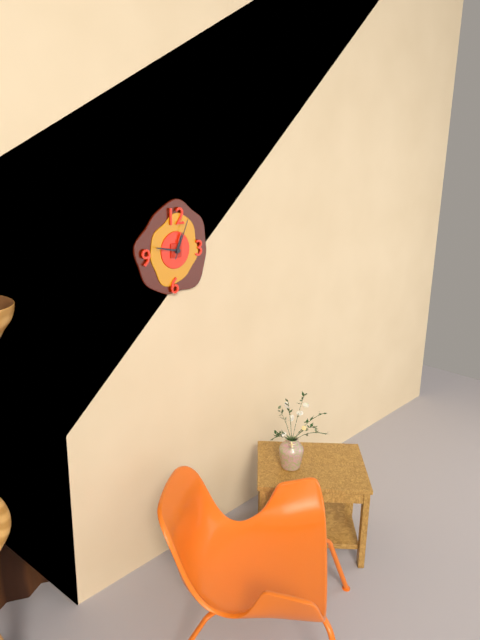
12.47
